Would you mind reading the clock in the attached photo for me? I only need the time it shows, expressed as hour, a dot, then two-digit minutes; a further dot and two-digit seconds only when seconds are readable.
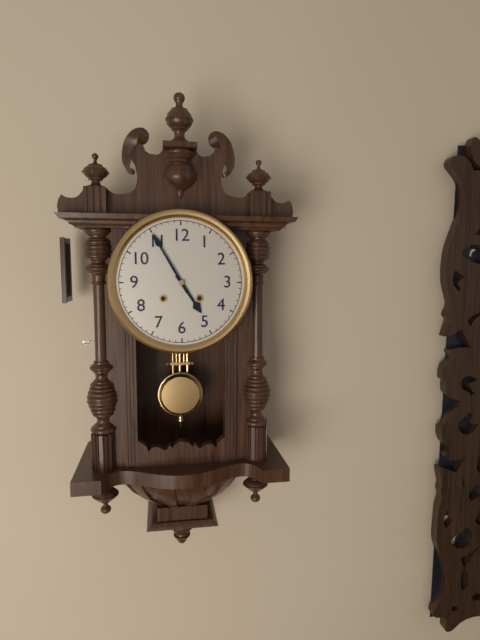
4.55
